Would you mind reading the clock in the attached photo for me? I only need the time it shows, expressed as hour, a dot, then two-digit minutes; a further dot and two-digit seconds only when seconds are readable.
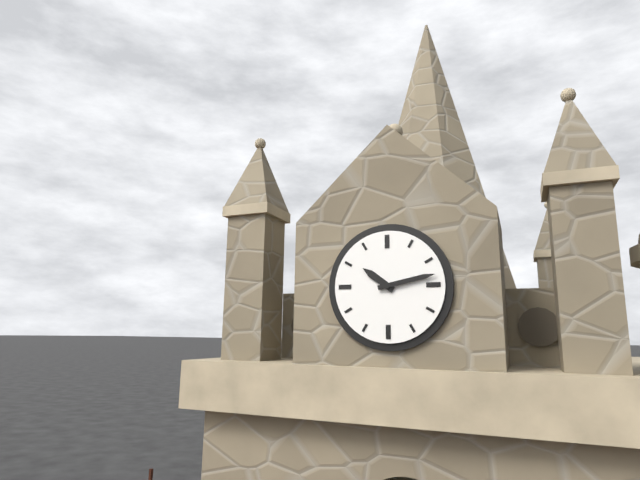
10.13
